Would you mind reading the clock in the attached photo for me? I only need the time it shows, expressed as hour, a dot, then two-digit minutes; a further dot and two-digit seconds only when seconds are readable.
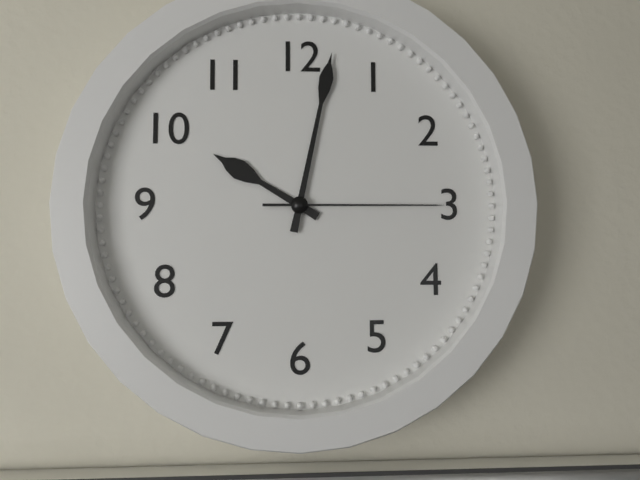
10.02.15
